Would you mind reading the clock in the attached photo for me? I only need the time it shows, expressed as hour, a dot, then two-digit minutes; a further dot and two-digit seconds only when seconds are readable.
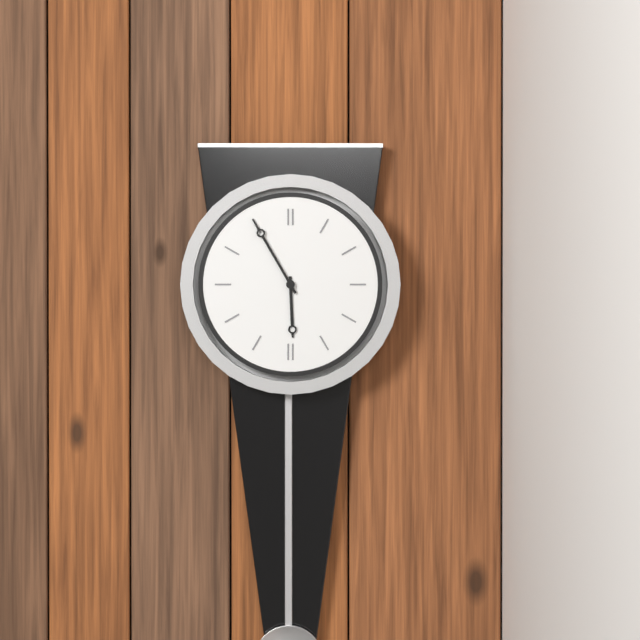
5.55
